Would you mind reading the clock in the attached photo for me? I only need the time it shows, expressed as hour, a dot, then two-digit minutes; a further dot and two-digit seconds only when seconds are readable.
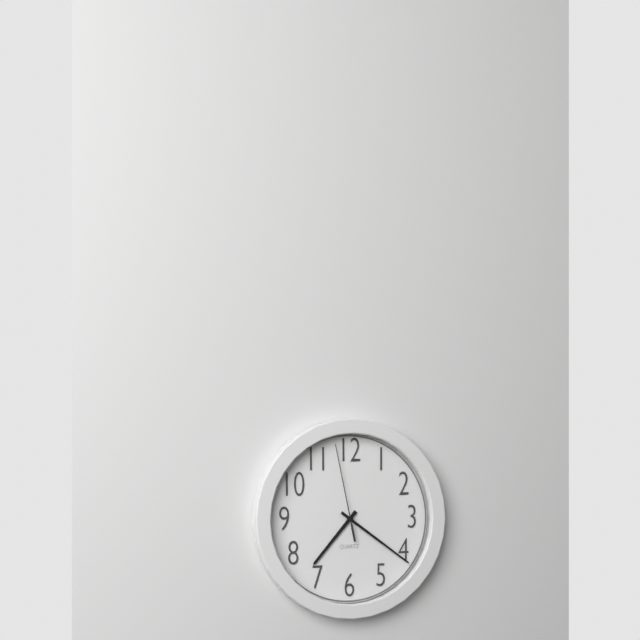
7.21.58
